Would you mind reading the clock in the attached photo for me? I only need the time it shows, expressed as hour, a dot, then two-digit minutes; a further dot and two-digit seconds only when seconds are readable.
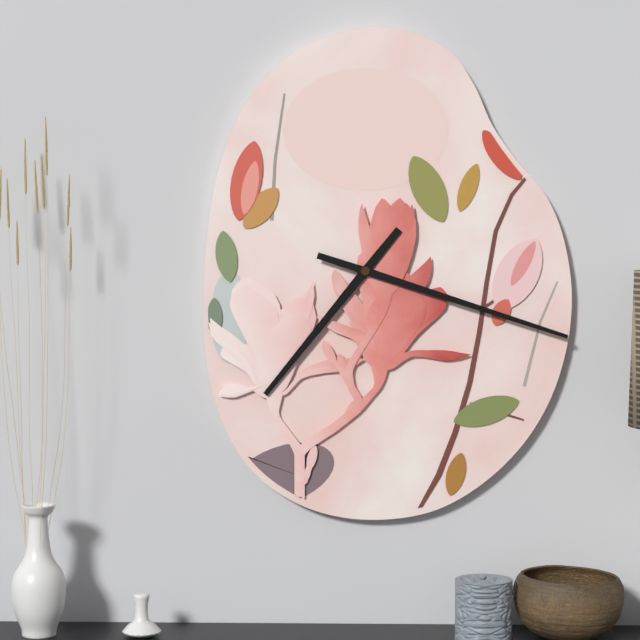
7.18
